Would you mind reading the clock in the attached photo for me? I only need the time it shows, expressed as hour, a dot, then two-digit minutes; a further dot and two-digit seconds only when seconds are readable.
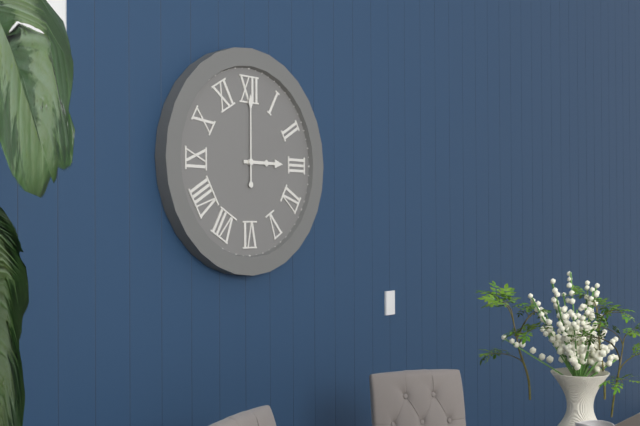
3.00
